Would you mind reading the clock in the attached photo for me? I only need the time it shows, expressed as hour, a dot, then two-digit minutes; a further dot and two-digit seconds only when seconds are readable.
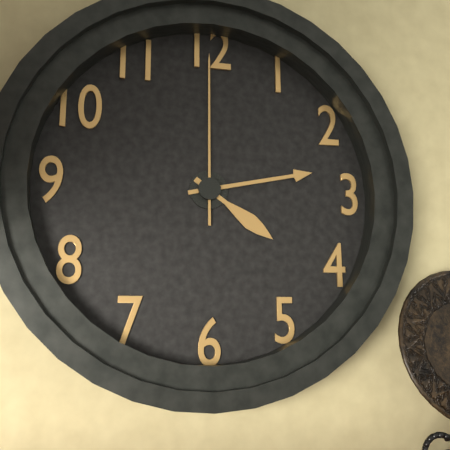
4.13.00
